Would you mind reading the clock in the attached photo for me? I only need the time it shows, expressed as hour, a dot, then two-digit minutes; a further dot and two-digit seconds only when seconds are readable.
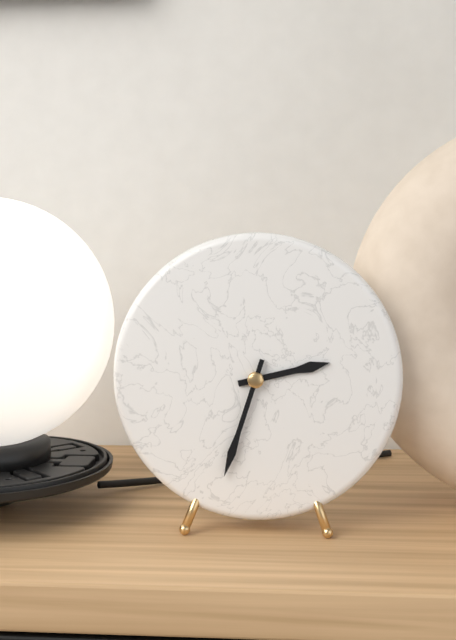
2.33
